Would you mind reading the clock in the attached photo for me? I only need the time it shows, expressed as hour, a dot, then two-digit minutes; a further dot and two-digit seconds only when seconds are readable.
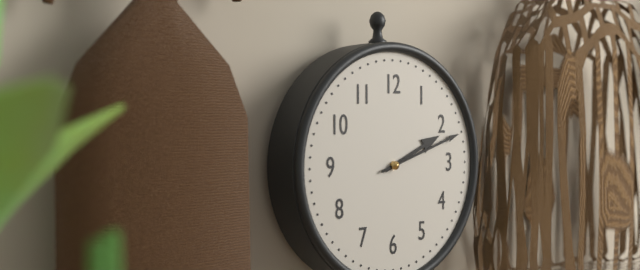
2.12
